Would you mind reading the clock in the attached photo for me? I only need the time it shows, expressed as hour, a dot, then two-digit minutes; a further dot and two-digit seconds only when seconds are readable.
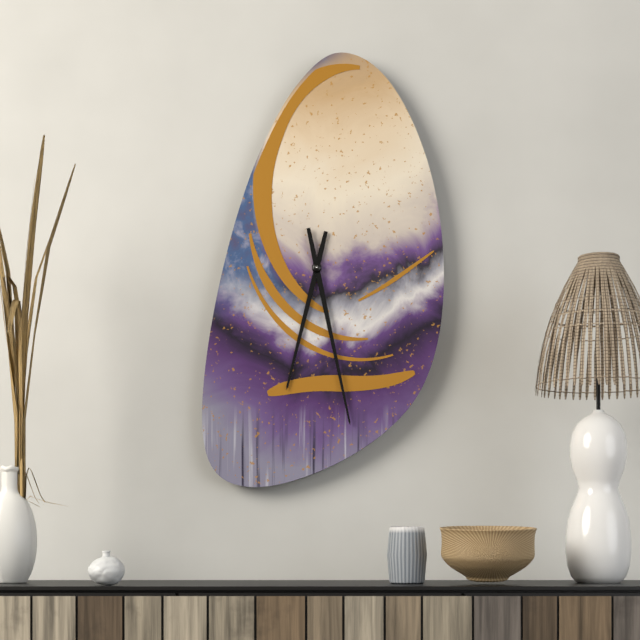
6.28
